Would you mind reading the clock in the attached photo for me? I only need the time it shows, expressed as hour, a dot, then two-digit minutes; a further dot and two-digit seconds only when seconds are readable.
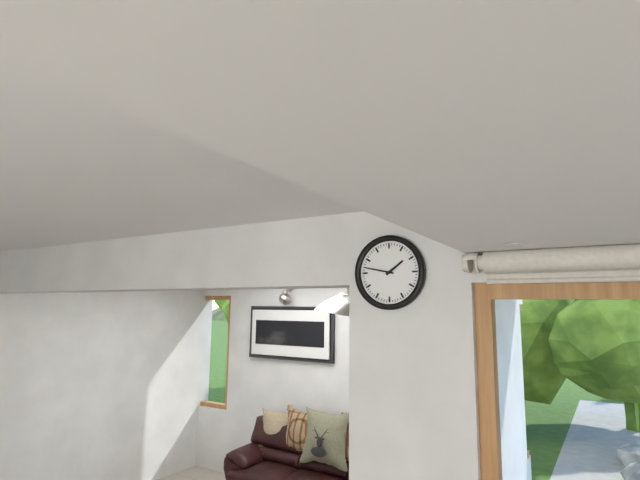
1.47
